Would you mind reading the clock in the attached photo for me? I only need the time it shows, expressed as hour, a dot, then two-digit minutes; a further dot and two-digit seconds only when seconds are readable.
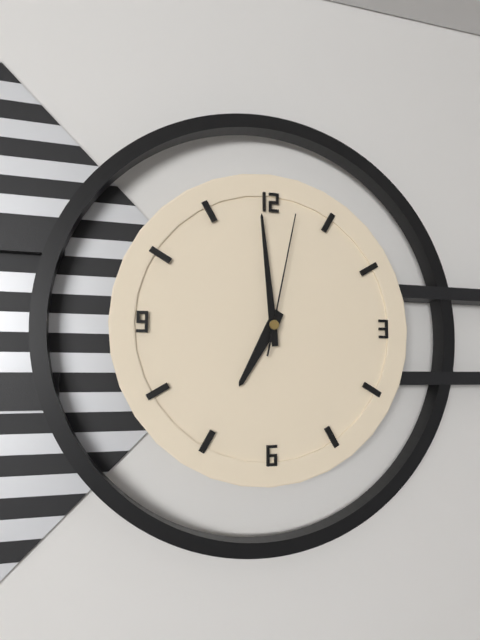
6.59.02
